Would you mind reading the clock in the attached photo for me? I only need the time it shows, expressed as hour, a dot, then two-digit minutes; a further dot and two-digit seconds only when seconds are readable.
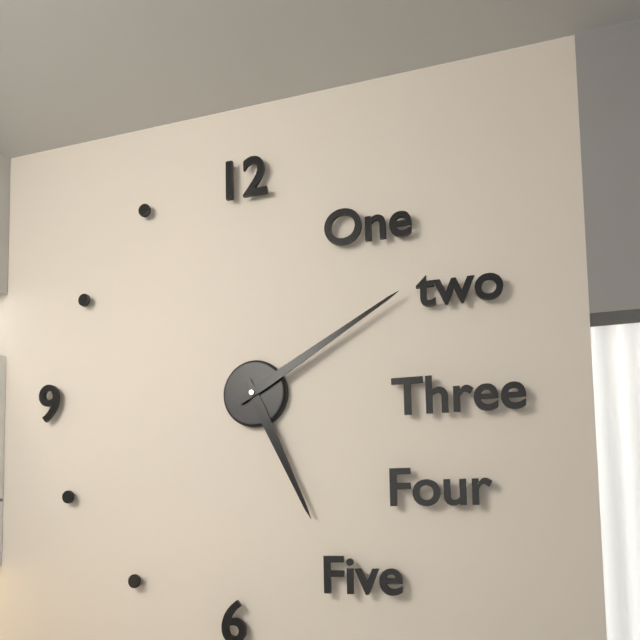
5.10
